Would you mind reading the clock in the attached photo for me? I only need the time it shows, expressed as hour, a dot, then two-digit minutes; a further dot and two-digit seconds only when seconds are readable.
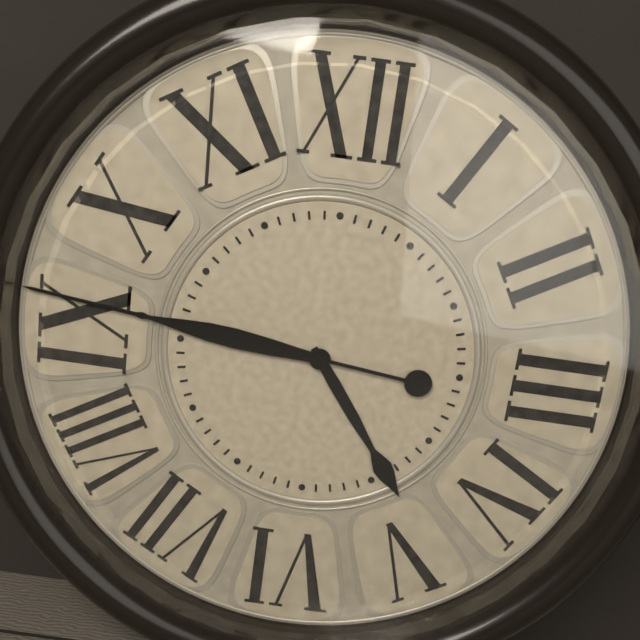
4.46
